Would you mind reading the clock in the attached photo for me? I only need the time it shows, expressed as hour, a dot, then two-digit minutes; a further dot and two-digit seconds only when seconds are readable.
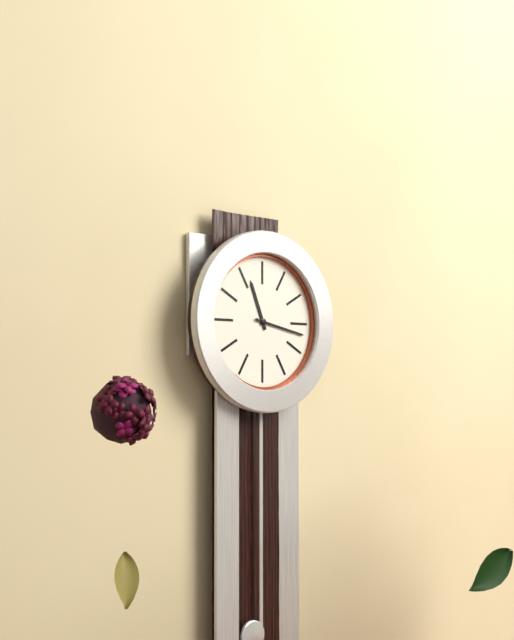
11.17
